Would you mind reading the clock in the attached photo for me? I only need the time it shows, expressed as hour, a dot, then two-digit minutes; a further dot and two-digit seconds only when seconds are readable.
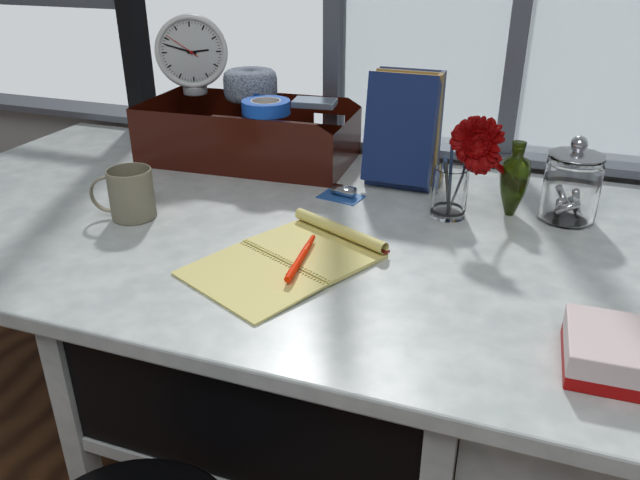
2.48
